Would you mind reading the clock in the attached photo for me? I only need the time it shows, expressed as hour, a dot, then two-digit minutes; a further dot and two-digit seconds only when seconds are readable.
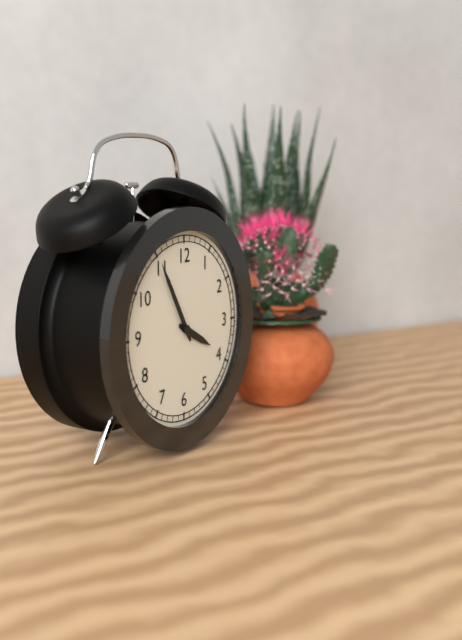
3.55
